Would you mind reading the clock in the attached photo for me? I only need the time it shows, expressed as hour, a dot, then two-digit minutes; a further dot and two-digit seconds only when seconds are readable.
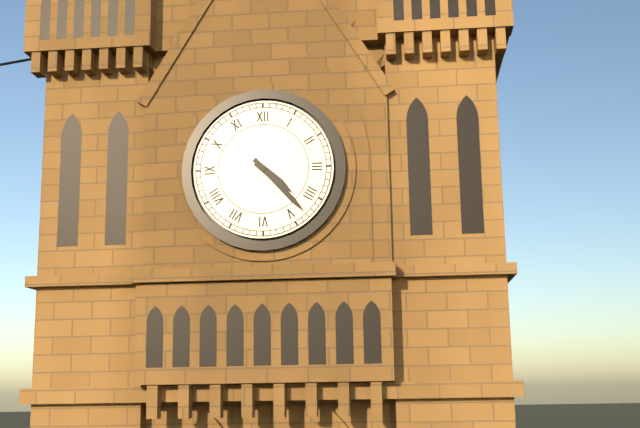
4.23
